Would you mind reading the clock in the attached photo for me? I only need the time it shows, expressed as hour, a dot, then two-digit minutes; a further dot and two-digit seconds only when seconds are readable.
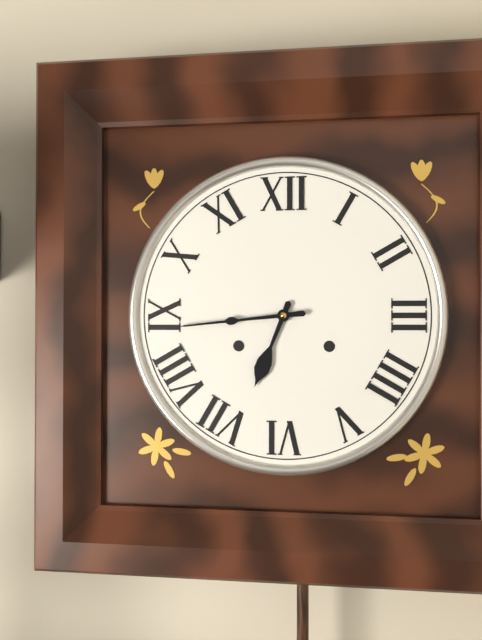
6.44
